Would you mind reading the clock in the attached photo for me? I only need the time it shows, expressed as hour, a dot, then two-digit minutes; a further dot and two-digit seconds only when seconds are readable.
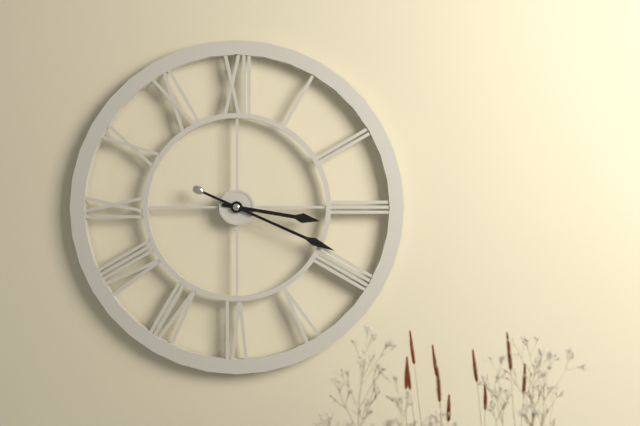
3.19
